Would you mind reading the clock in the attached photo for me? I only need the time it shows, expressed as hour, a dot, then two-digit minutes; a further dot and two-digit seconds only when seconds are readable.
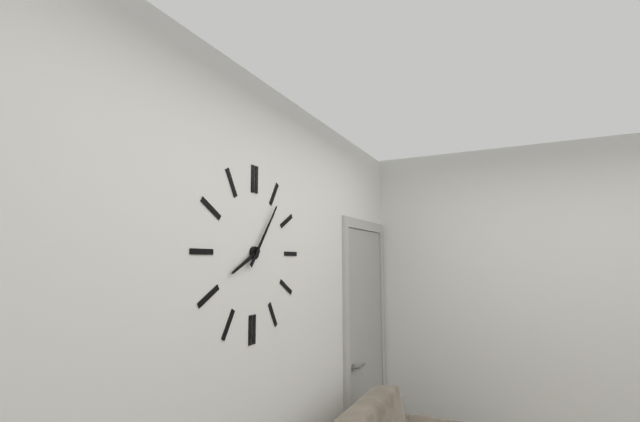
8.06
